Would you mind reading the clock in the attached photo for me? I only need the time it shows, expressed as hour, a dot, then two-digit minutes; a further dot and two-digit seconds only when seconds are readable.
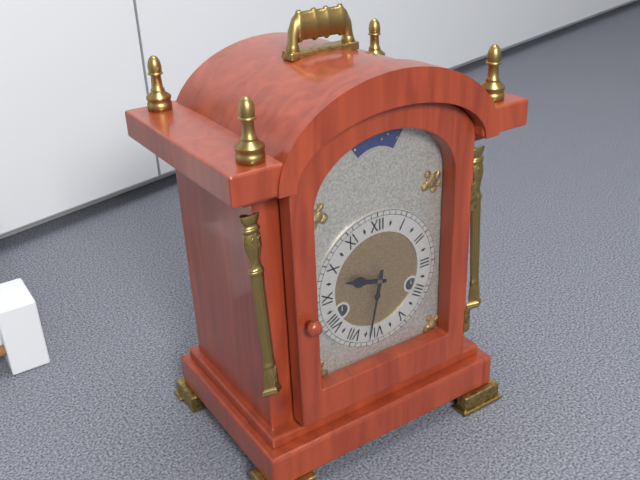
9.32
